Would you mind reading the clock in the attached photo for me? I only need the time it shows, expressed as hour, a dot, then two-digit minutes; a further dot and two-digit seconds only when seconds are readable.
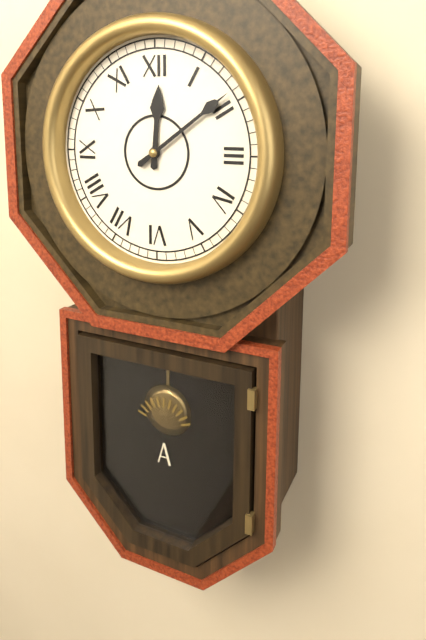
12.09
